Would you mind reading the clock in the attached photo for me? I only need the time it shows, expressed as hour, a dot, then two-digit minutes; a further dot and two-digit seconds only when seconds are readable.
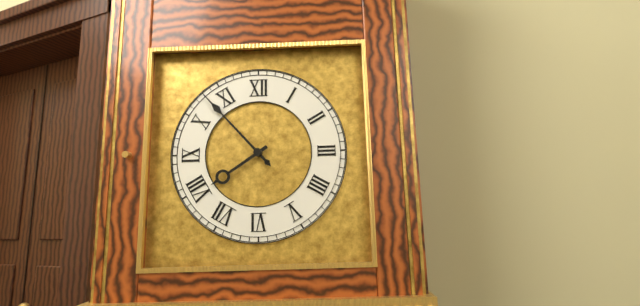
7.53
